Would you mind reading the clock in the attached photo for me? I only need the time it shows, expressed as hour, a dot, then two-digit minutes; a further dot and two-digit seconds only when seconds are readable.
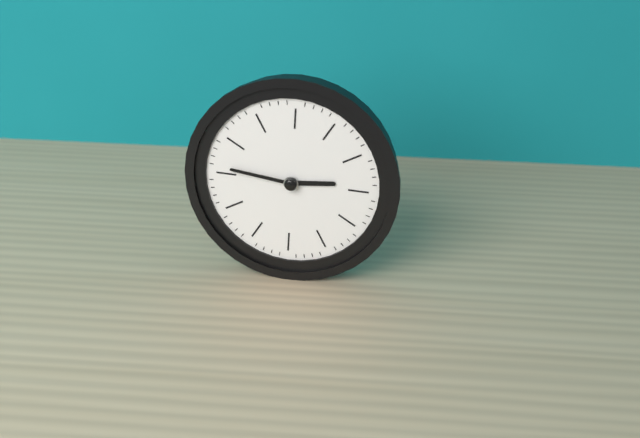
2.46
